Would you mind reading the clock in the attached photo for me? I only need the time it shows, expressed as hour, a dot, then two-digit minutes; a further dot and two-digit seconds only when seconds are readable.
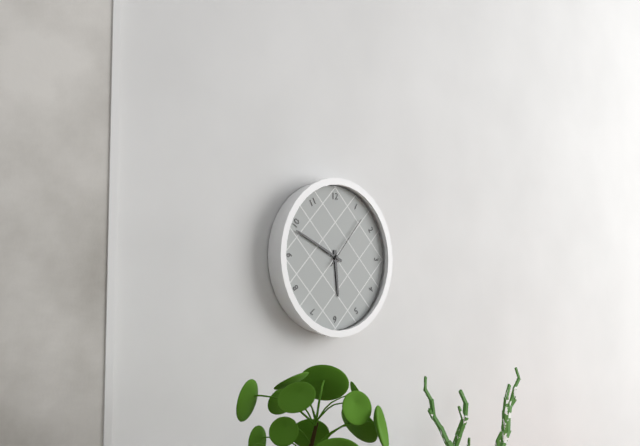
5.49.07
